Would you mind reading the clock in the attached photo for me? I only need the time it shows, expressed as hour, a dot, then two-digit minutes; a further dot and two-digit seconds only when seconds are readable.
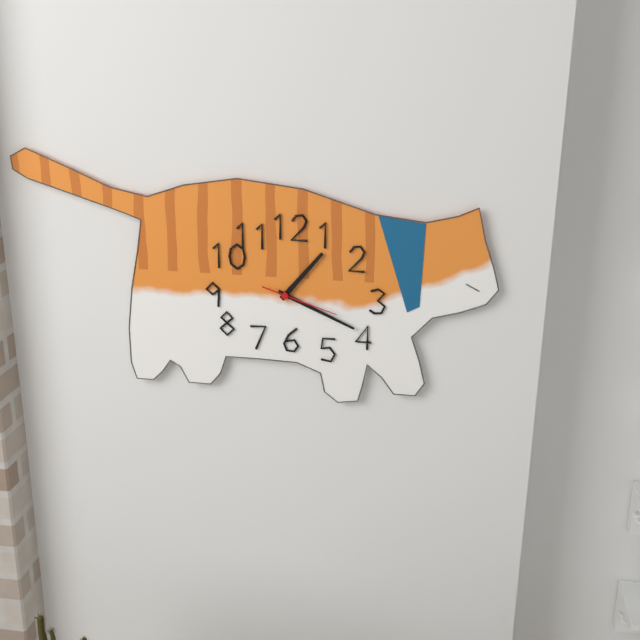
1.19.18
